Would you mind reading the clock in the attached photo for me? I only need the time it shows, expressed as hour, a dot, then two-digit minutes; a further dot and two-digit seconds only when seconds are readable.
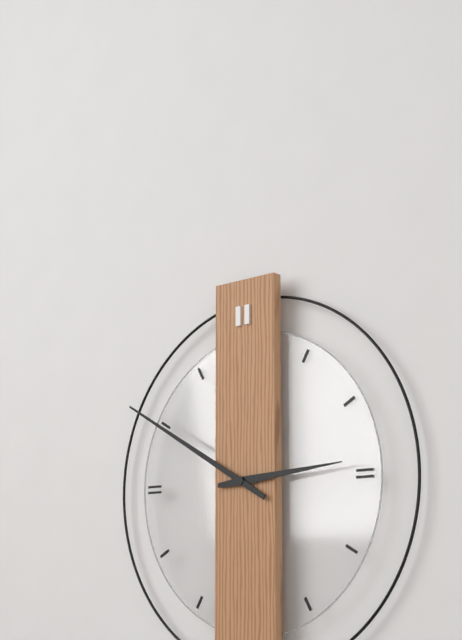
2.50
